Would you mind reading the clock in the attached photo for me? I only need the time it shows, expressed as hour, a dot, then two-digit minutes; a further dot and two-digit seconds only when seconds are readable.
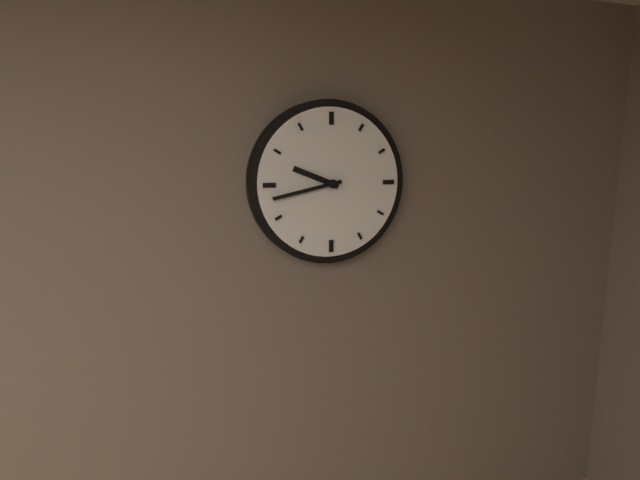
9.43
